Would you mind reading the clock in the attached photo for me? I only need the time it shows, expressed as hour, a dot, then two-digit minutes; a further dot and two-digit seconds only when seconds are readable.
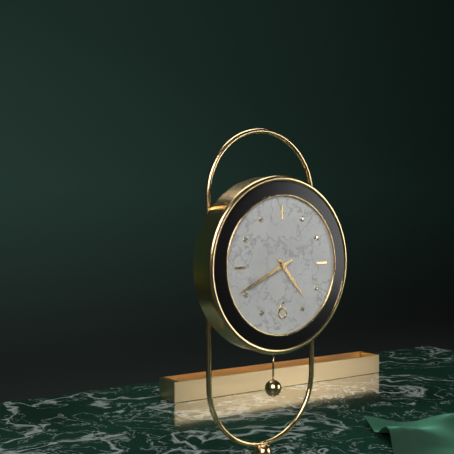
4.41
